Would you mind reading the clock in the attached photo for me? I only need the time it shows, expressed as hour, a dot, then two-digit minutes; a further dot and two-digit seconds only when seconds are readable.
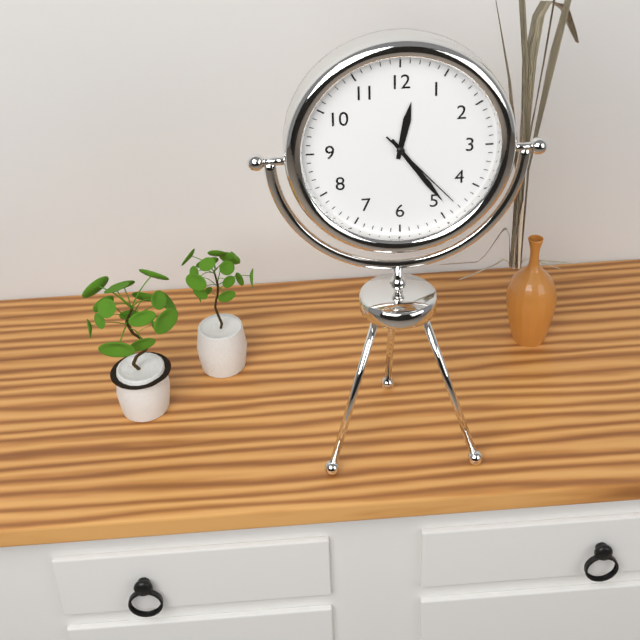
12.24.23
